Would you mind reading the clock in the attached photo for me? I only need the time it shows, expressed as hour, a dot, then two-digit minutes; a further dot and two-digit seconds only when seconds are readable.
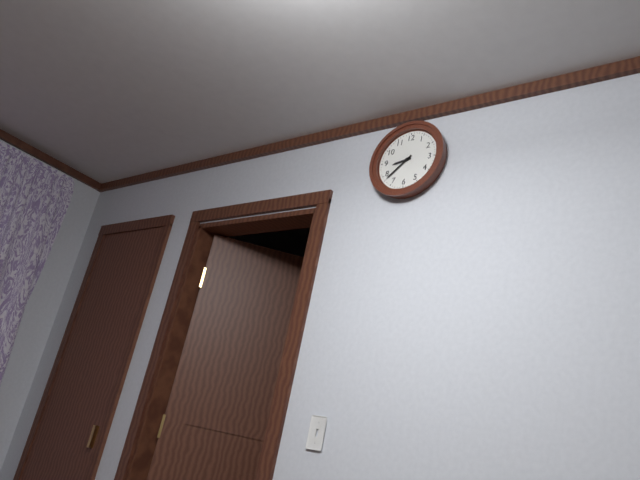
8.38
